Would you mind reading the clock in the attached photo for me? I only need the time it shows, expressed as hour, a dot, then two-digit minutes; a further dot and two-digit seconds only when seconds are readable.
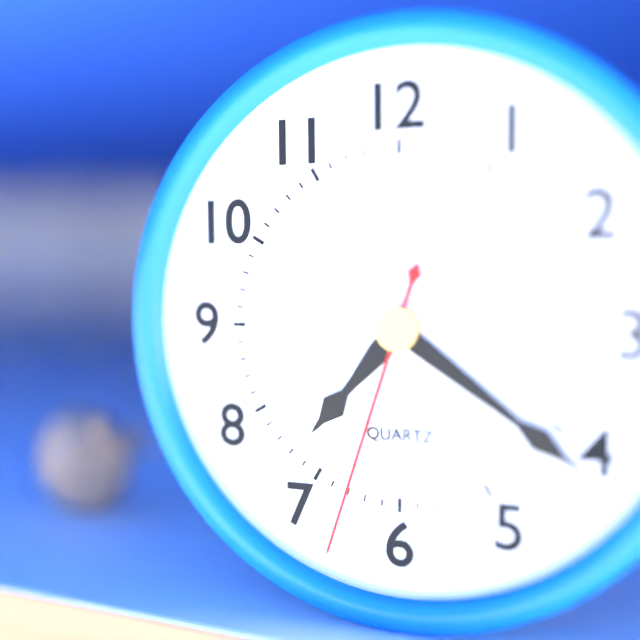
7.21.33
